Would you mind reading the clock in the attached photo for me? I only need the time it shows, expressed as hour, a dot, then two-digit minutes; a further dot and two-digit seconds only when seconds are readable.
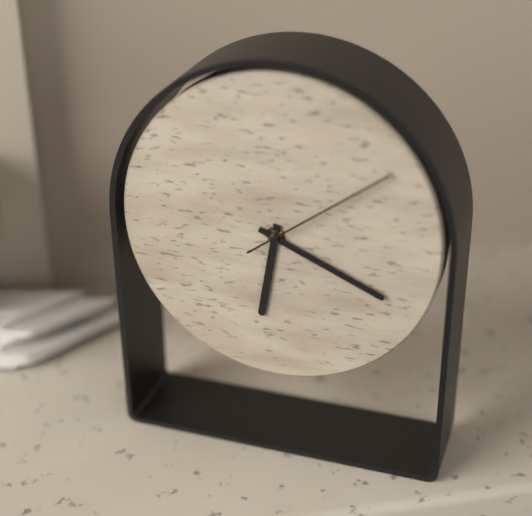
6.19.09
